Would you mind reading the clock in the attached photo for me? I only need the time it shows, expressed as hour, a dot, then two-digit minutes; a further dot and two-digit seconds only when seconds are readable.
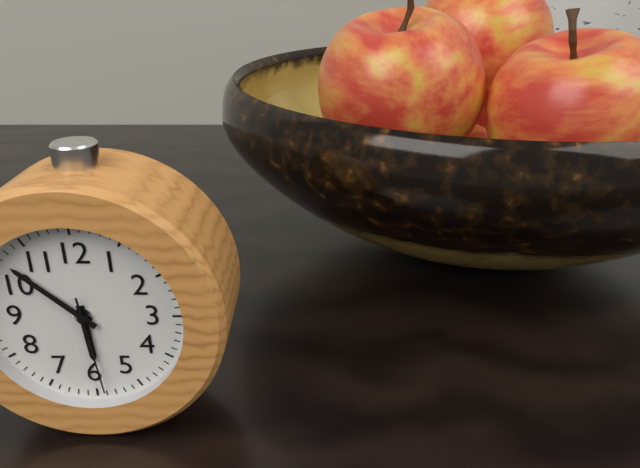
5.52.29
